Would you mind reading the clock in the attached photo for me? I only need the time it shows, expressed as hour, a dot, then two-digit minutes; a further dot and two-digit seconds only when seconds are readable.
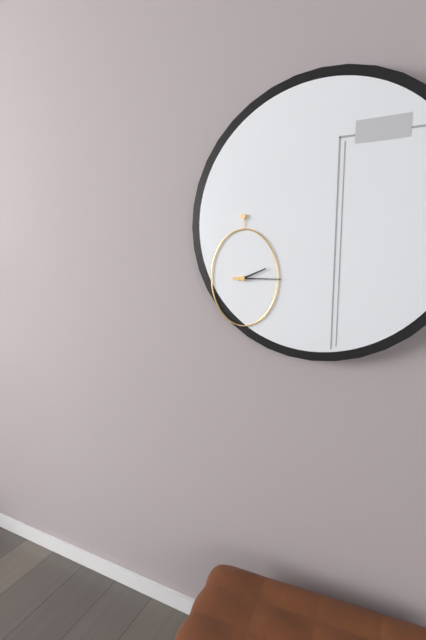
2.15
